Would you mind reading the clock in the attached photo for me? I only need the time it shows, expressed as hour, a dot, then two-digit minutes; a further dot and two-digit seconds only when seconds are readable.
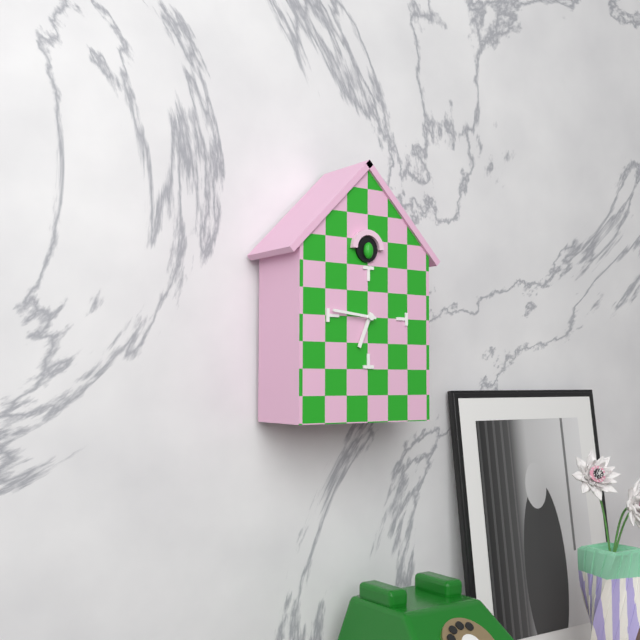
6.46
